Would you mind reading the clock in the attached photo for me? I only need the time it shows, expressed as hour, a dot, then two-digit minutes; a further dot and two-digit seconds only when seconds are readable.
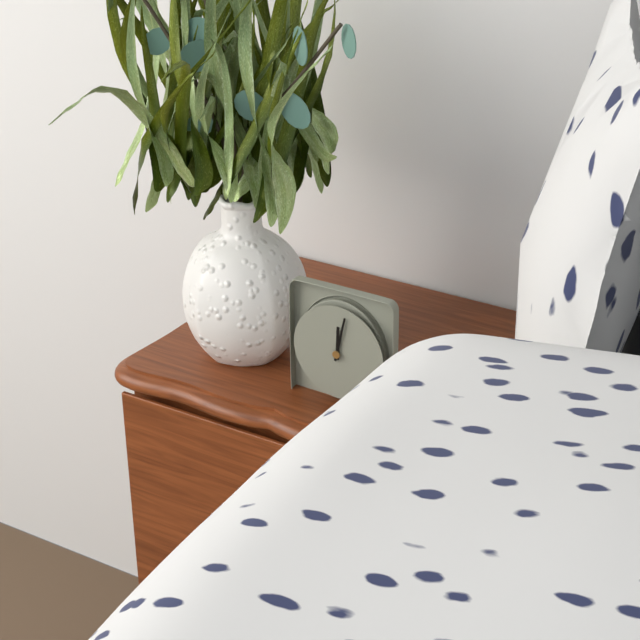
12.02
